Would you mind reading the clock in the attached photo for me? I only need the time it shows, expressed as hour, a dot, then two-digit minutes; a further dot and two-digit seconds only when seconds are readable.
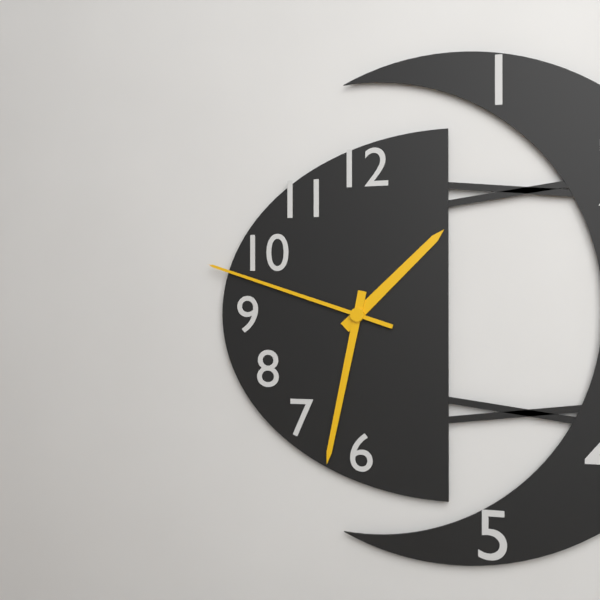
1.32.48
